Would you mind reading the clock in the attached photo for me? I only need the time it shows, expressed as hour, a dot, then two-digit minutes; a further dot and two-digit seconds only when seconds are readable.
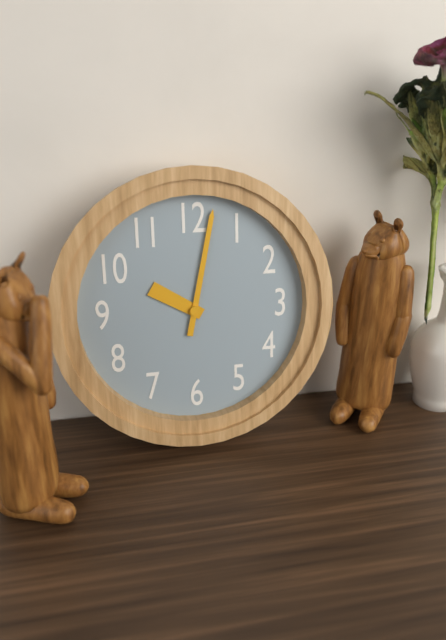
10.02
